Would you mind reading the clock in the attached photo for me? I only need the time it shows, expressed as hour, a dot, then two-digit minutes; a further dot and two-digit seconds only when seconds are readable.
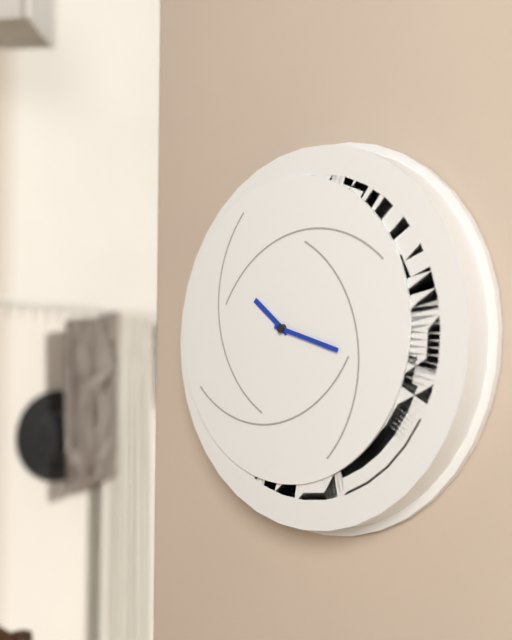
10.18
